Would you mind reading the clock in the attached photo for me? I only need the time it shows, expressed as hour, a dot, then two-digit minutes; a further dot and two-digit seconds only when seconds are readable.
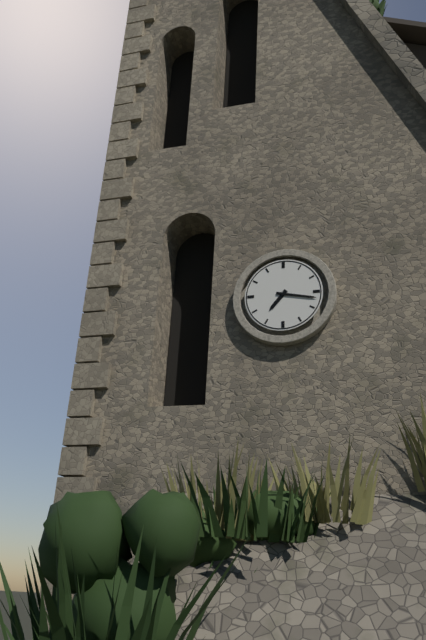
7.17
